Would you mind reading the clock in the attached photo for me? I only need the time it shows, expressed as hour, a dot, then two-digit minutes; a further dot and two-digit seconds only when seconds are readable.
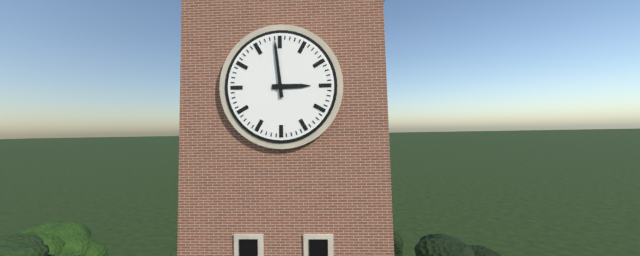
2.59
